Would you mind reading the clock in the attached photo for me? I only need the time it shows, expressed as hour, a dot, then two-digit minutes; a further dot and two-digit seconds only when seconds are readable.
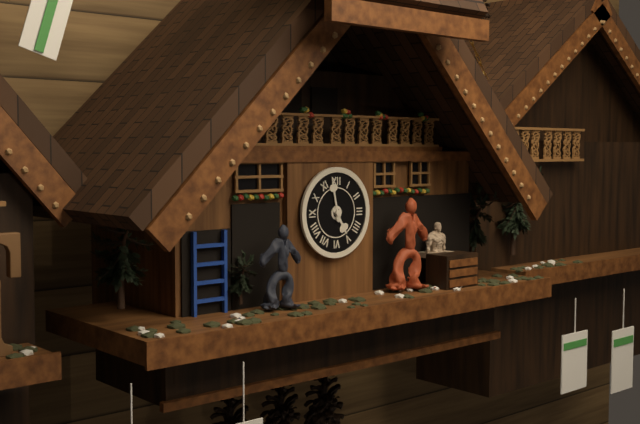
4.58
